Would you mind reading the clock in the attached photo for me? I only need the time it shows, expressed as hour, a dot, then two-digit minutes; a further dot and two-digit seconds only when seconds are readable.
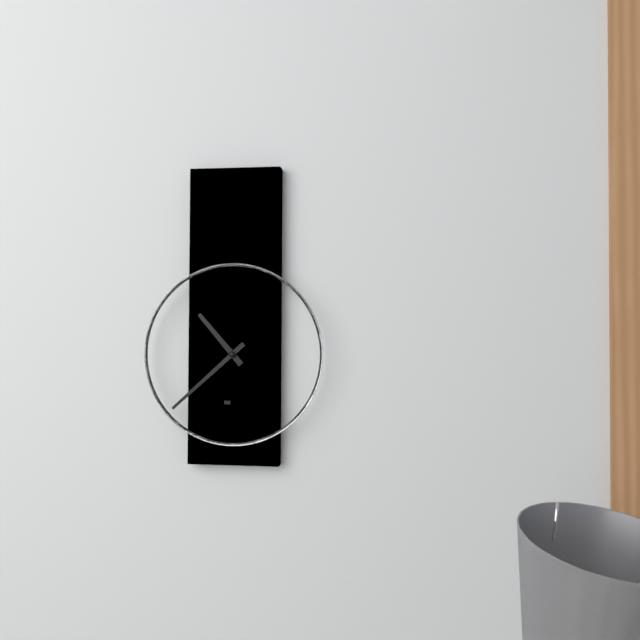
10.38
